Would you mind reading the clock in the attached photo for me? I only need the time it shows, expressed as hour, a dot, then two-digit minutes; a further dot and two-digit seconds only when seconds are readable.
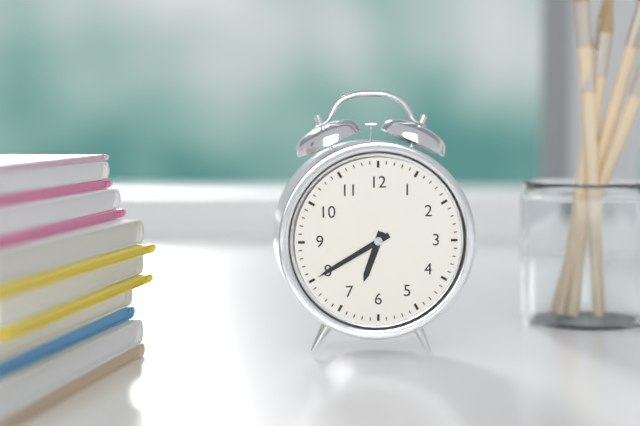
6.40
